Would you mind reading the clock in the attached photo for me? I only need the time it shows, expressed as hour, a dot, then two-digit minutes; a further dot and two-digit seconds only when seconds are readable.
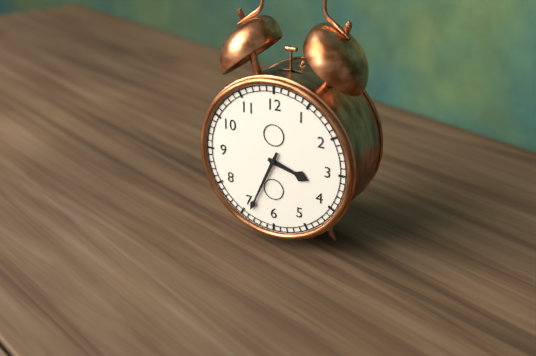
3.34
